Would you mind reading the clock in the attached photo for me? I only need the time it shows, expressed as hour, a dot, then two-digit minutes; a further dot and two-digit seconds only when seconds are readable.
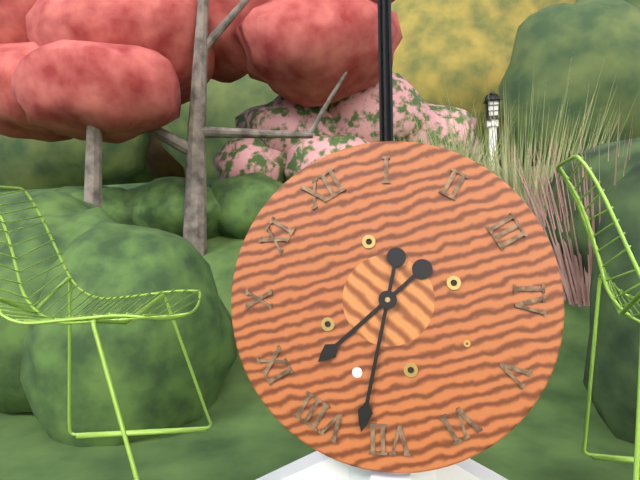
8.37
